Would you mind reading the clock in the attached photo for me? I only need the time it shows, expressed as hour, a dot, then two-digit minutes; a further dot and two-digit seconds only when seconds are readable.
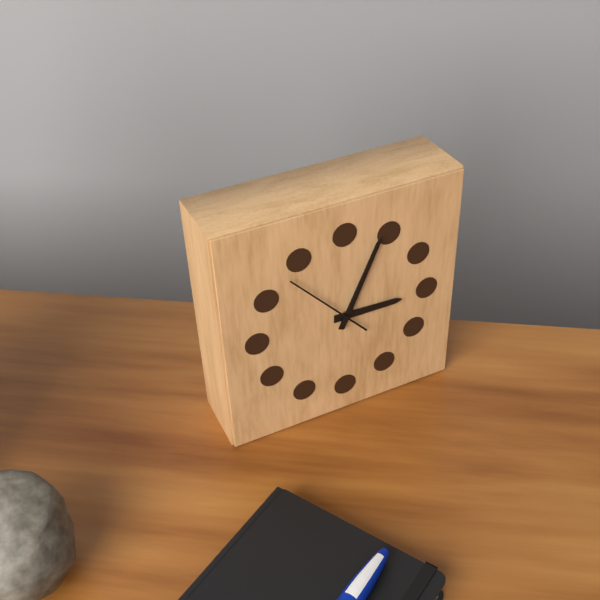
3.04.53
